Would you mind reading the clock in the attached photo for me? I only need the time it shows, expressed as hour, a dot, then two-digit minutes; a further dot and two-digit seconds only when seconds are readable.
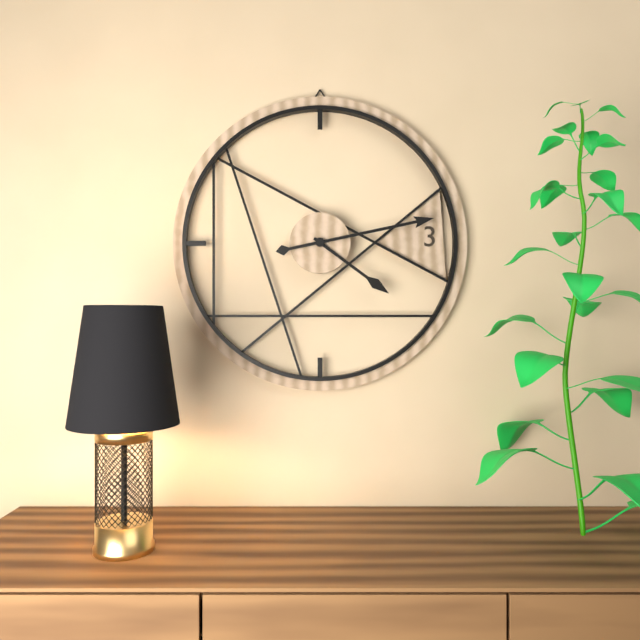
4.13
